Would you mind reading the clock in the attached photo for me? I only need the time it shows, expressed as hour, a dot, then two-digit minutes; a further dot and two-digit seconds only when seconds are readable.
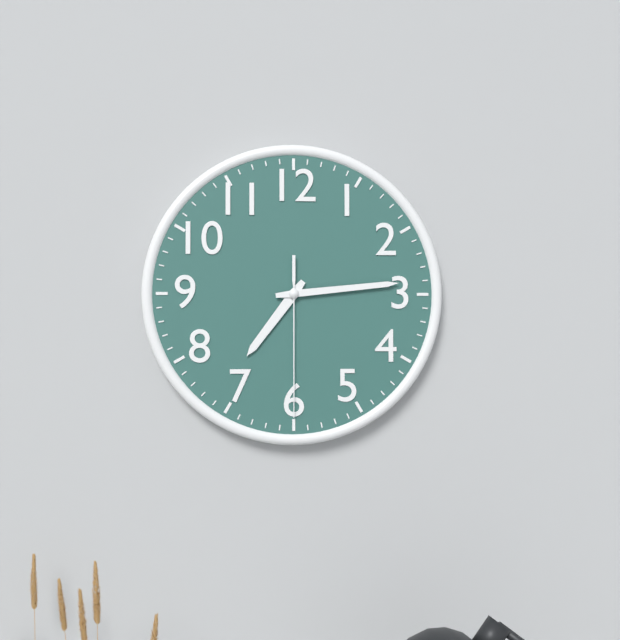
7.14.30
